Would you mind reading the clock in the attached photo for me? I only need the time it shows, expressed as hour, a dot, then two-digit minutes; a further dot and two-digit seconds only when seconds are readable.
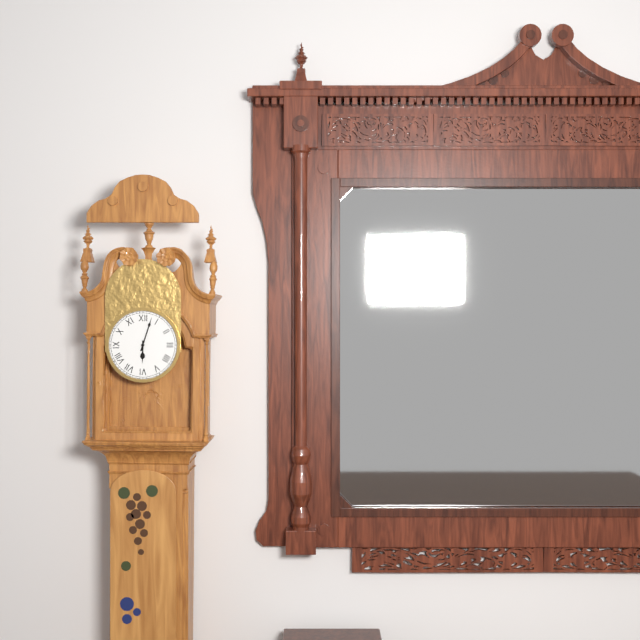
6.03
